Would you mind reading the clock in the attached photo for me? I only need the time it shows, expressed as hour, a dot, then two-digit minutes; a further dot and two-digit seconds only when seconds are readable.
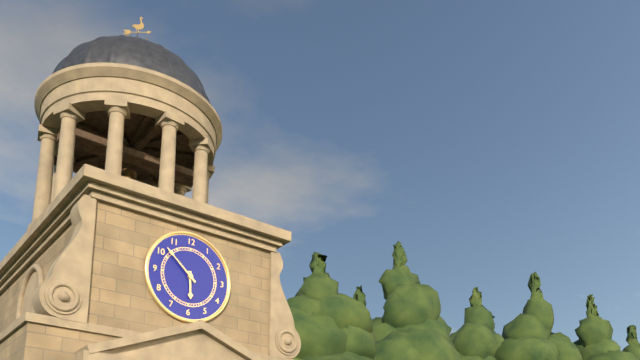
5.52
